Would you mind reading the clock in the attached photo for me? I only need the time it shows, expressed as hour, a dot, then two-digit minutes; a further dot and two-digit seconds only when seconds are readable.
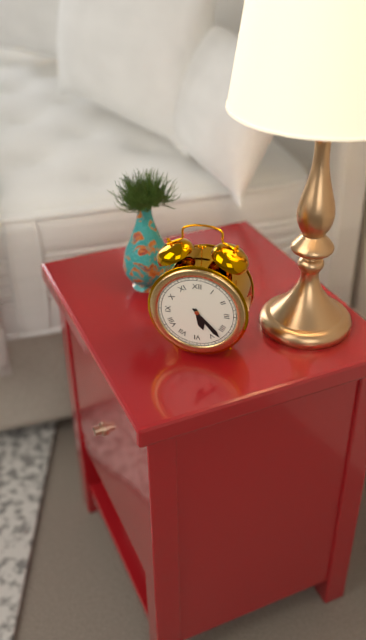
5.23
